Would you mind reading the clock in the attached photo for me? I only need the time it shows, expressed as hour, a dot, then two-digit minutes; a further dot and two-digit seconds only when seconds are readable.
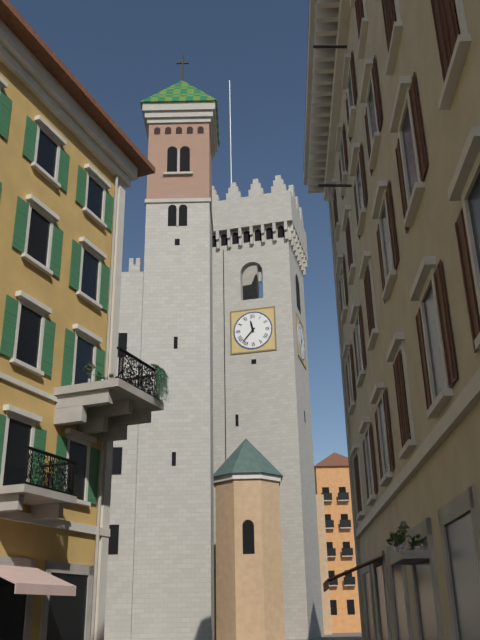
11.37
